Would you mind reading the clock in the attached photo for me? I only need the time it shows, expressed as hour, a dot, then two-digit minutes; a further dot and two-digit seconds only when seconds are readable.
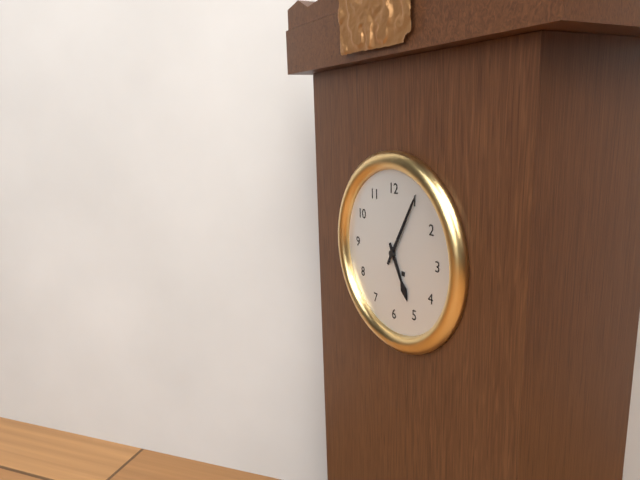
5.05
